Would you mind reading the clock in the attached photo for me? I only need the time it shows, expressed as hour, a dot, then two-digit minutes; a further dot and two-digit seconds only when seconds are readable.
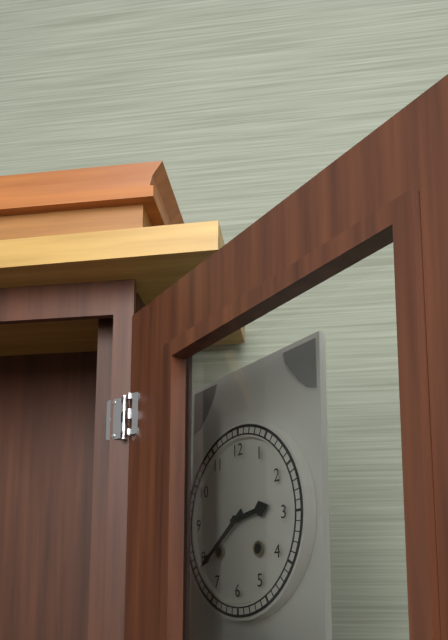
2.39
